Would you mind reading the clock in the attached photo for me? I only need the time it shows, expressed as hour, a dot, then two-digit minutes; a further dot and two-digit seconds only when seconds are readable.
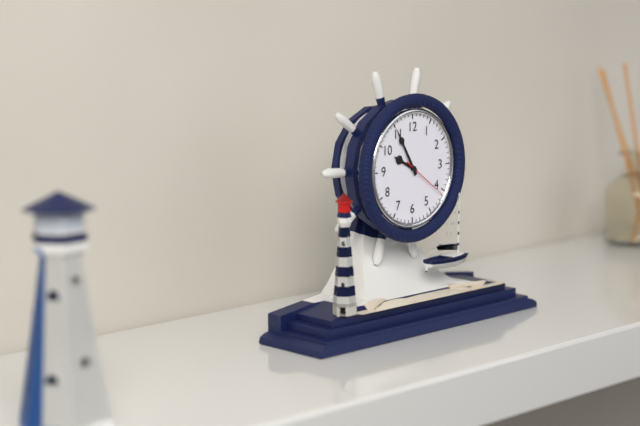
9.55.21
